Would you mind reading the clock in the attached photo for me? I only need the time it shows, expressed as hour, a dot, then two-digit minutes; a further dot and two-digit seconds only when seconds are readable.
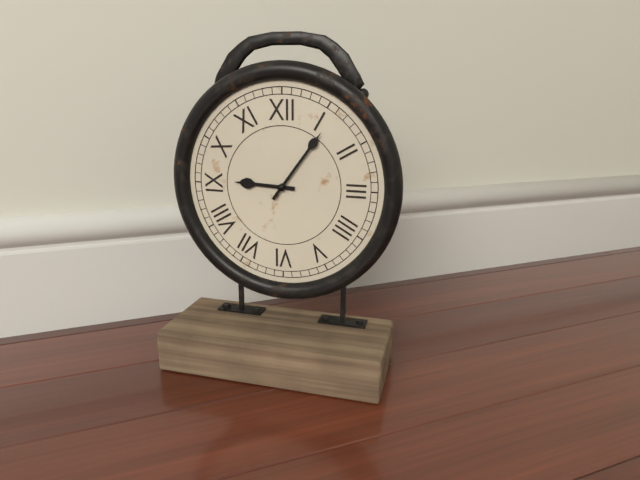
9.06
